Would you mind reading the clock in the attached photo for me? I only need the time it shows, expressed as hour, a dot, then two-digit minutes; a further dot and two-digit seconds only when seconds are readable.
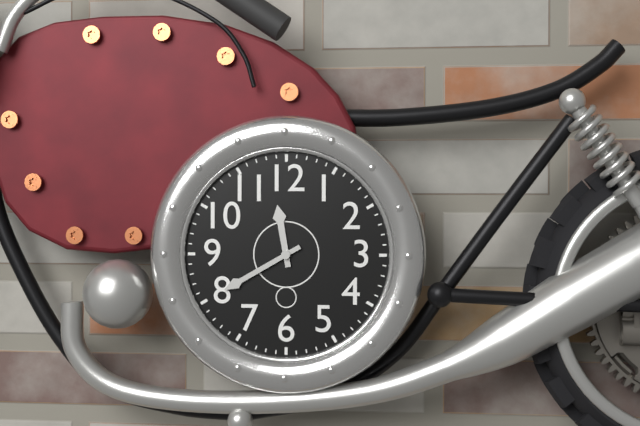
11.40
